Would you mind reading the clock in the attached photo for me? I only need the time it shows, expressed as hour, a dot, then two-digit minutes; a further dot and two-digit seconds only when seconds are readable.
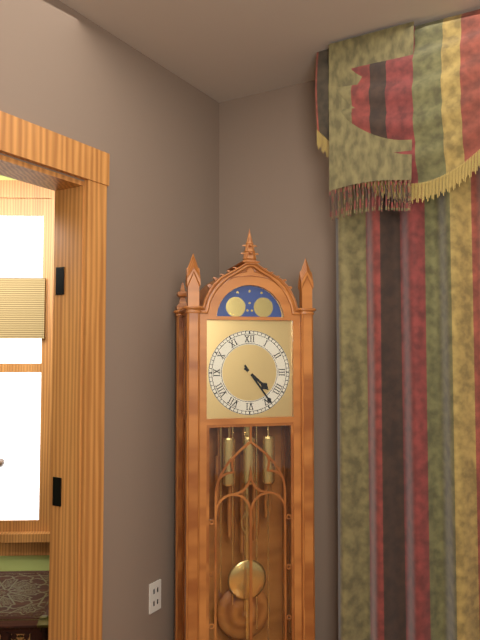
4.24
